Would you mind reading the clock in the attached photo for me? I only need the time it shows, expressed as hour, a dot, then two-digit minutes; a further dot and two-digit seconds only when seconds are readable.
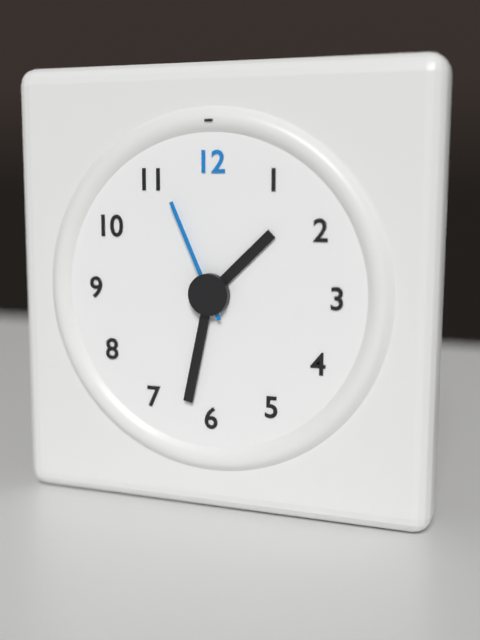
1.32.56
